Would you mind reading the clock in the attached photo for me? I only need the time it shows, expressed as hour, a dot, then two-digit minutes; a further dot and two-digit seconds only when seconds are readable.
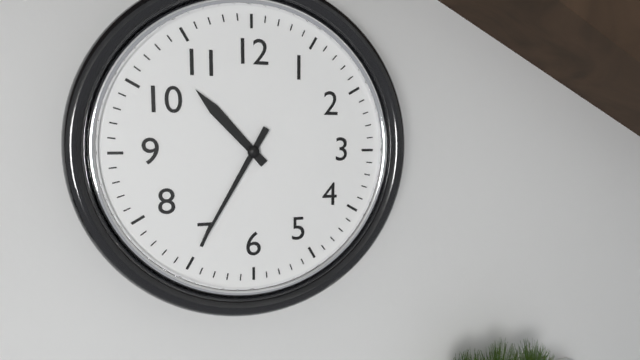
10.35
